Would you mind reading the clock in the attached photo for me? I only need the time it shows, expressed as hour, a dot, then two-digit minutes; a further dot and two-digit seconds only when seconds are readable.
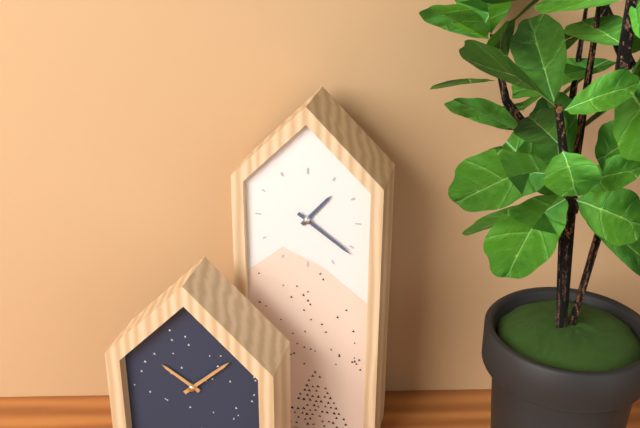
1.21
